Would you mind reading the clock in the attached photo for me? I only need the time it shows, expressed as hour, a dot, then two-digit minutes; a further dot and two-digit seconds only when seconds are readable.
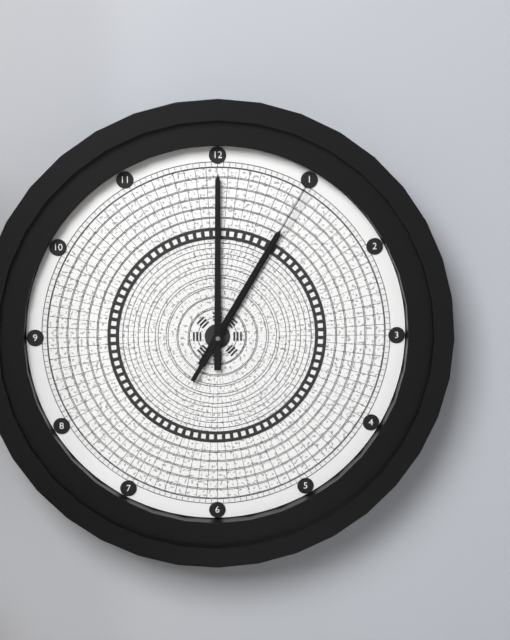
1.00.05
